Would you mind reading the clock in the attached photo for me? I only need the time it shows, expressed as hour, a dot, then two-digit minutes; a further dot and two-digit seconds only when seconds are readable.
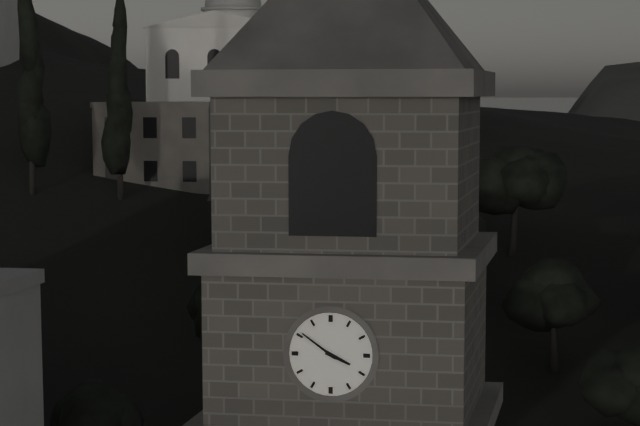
3.51
